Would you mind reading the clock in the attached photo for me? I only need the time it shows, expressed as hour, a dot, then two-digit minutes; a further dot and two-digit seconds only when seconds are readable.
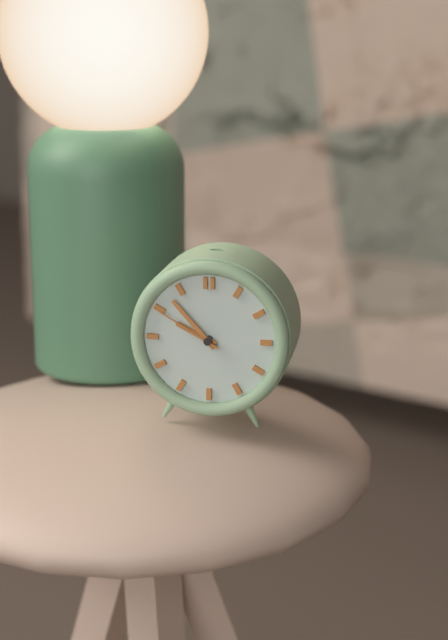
9.53.50
